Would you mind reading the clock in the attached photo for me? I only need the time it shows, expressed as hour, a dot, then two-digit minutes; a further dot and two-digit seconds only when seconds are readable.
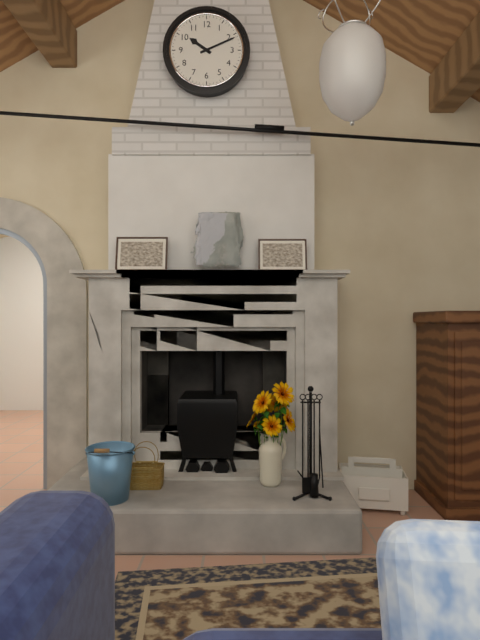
10.11
